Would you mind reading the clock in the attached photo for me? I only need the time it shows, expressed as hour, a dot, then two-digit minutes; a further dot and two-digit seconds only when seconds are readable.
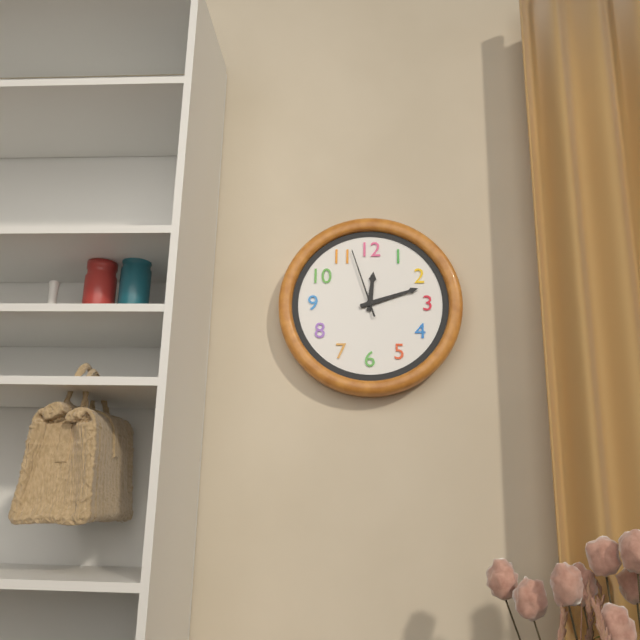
12.12.57
